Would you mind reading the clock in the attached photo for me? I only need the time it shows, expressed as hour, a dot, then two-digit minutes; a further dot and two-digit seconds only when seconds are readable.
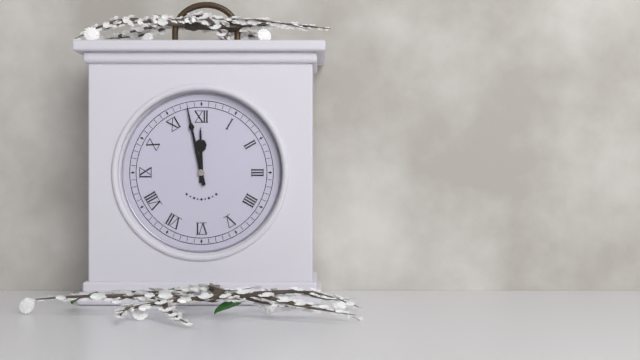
11.58
